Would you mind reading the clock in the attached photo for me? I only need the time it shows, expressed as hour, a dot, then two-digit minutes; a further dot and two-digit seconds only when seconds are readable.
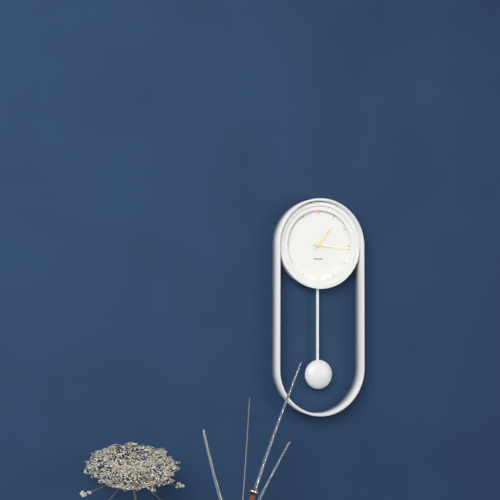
1.16
